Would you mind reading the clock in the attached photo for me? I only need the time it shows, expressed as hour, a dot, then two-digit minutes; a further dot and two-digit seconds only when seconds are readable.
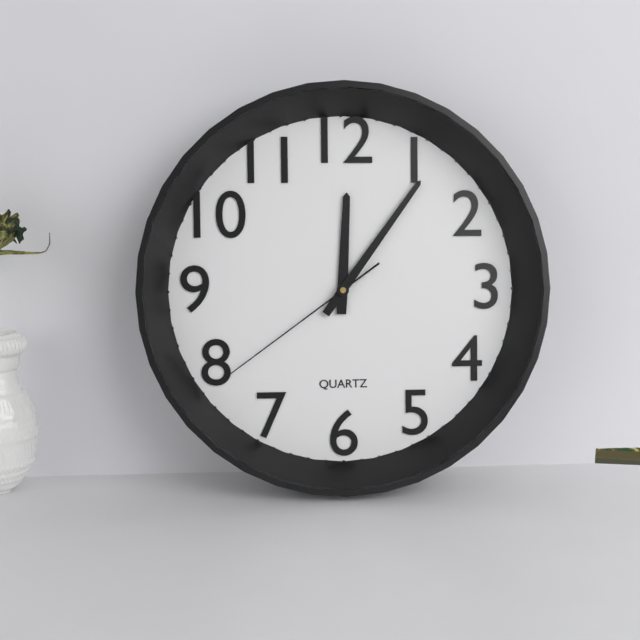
12.06.39
